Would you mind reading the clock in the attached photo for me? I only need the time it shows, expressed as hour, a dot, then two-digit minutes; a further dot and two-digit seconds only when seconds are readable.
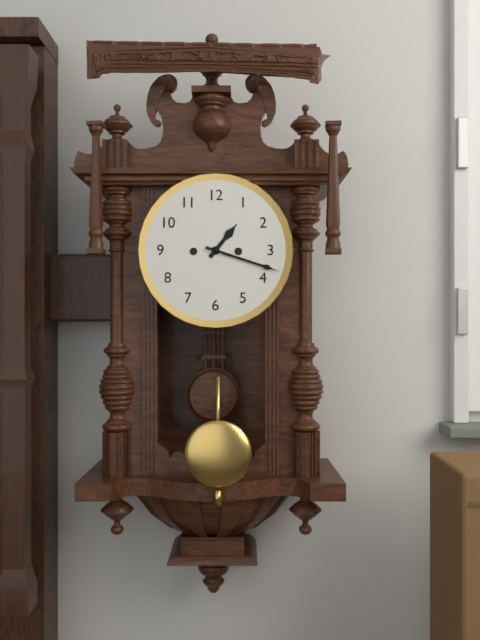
1.18
